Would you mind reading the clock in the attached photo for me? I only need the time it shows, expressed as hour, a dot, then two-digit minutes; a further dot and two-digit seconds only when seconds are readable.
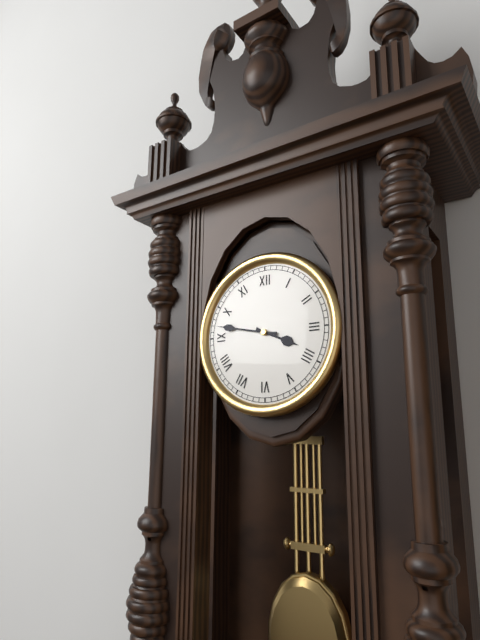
3.47
